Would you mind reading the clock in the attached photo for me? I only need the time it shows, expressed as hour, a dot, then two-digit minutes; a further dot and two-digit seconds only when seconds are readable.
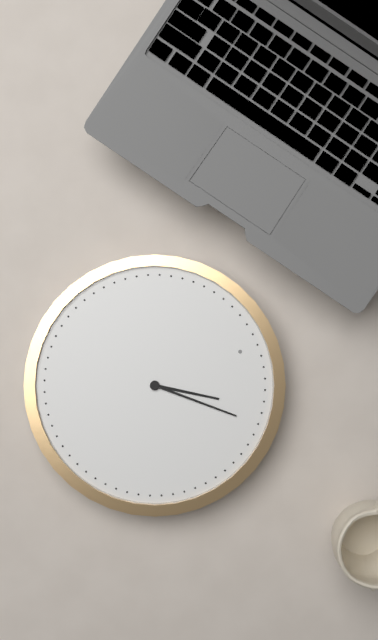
1.07
